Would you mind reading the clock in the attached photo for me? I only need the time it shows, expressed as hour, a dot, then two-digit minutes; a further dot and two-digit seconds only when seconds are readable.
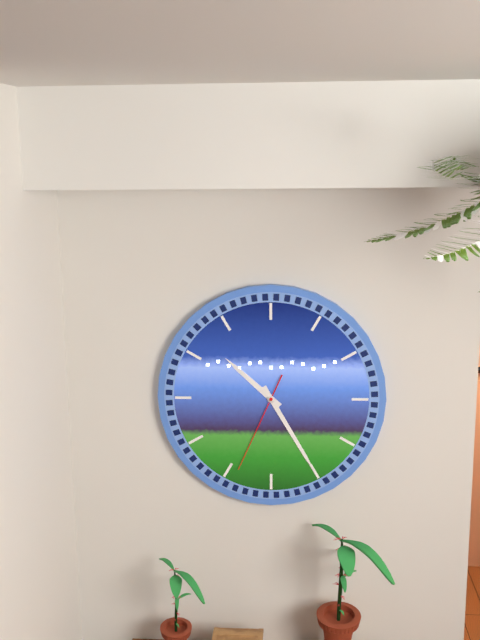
10.25.34
